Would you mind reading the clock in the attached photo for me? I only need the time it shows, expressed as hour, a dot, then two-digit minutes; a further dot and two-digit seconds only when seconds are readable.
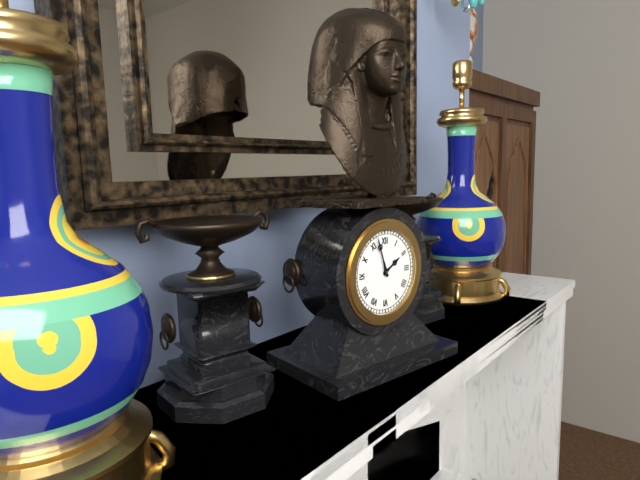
1.57
